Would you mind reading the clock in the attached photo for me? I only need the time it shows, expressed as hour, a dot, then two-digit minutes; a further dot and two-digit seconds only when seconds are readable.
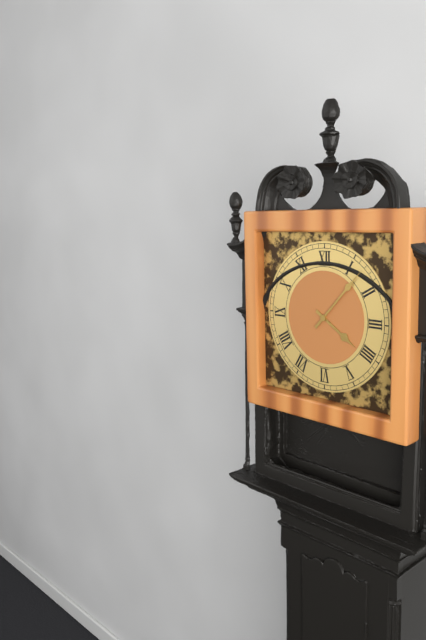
4.07
